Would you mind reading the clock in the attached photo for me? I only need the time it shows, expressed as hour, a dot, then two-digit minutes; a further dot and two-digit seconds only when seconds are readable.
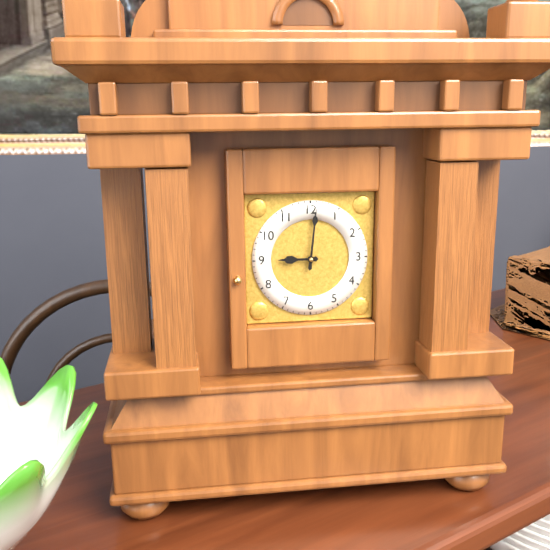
9.01
